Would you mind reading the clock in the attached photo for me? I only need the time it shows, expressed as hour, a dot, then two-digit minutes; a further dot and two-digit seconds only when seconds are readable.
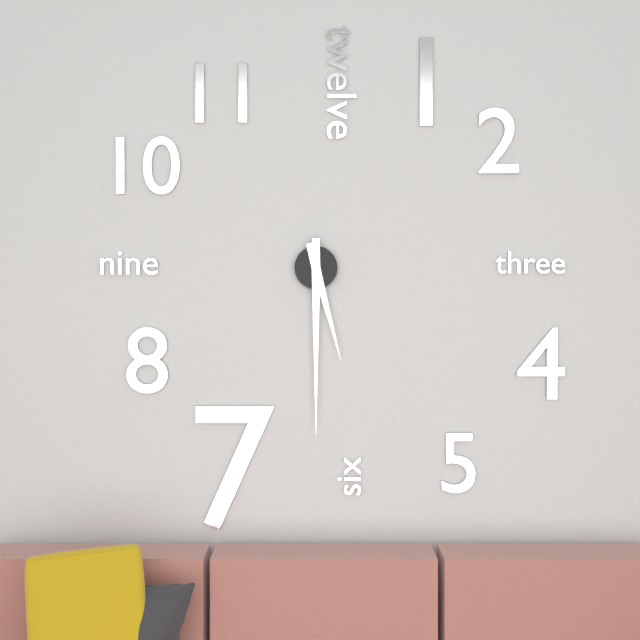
5.30
